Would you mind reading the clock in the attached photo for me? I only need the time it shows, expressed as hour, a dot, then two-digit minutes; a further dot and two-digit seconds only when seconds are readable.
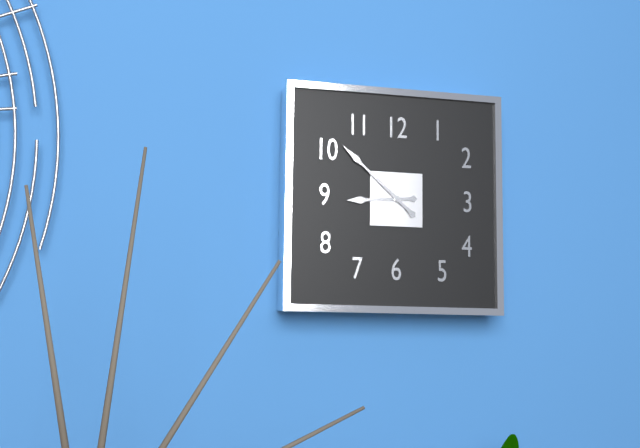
8.52
